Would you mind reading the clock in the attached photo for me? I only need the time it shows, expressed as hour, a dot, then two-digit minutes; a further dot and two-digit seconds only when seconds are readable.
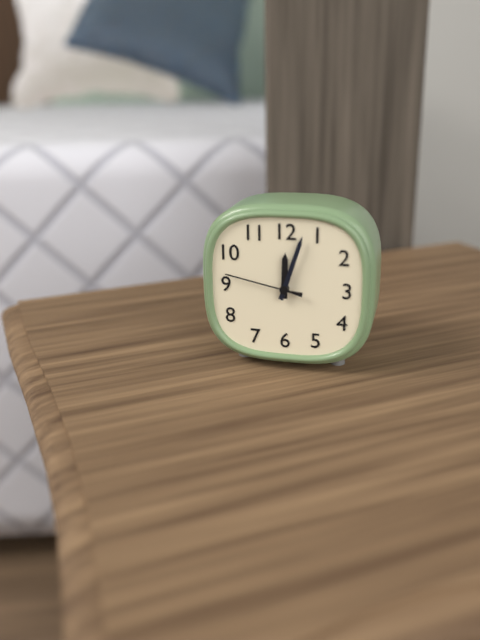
12.03.47
